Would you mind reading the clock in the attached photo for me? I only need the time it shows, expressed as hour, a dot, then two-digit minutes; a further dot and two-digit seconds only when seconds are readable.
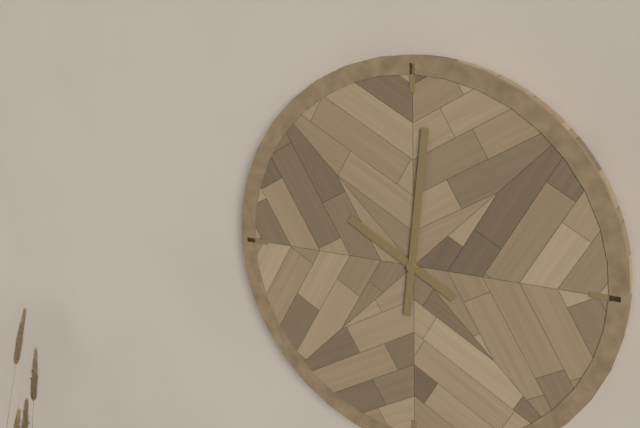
10.01
